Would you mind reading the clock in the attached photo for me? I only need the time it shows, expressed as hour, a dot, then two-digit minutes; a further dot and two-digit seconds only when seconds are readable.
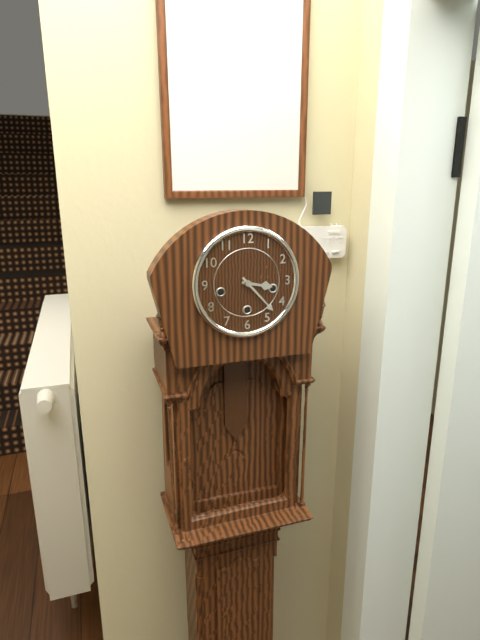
3.23
